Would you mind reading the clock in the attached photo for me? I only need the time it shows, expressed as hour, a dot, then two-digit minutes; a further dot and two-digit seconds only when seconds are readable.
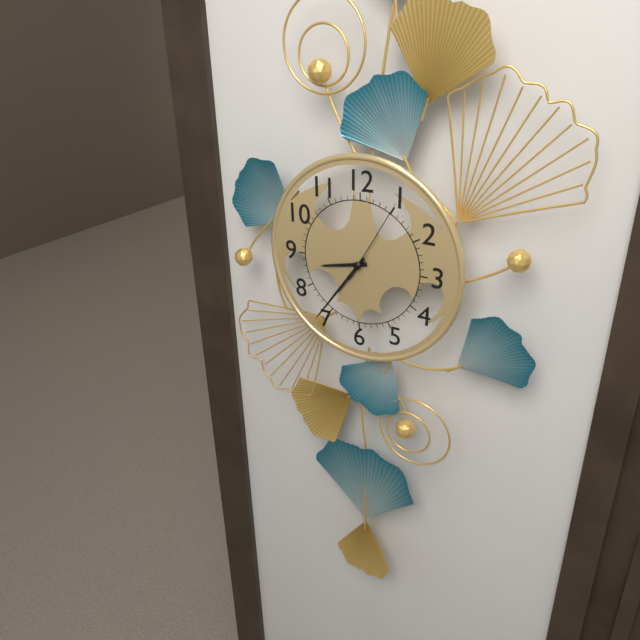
8.36.05
